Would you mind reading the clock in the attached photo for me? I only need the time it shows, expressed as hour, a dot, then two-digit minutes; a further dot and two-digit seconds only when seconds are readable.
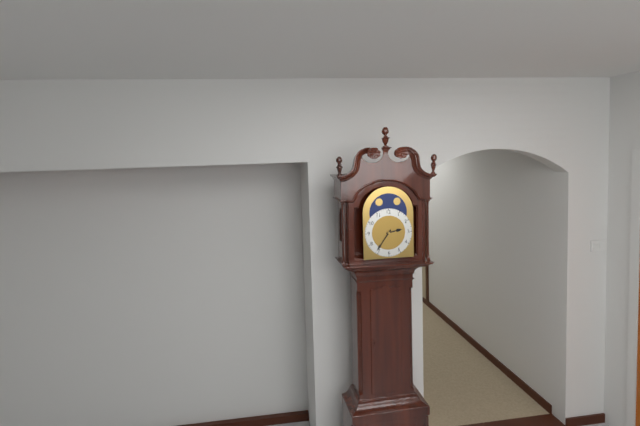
2.36
